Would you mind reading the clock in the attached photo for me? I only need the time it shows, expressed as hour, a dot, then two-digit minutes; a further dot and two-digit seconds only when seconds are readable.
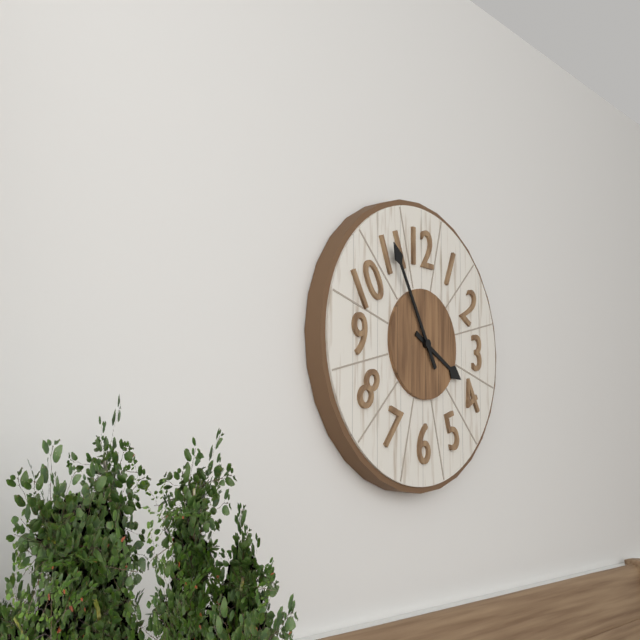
3.55
